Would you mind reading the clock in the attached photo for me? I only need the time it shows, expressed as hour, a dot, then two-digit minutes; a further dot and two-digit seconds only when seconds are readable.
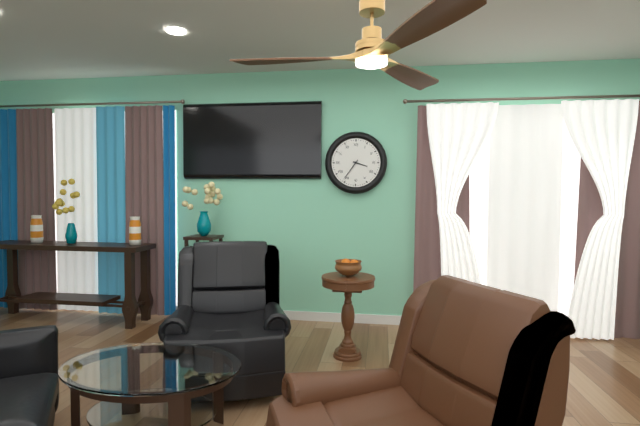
3.36
